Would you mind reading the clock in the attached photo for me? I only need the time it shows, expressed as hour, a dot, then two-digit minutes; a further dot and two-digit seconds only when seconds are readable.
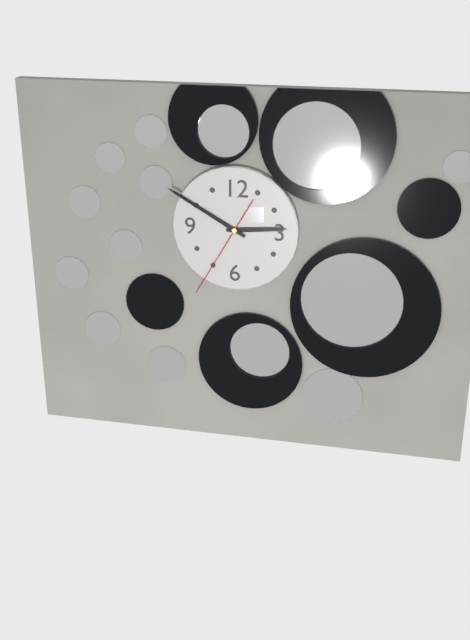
2.50.35
